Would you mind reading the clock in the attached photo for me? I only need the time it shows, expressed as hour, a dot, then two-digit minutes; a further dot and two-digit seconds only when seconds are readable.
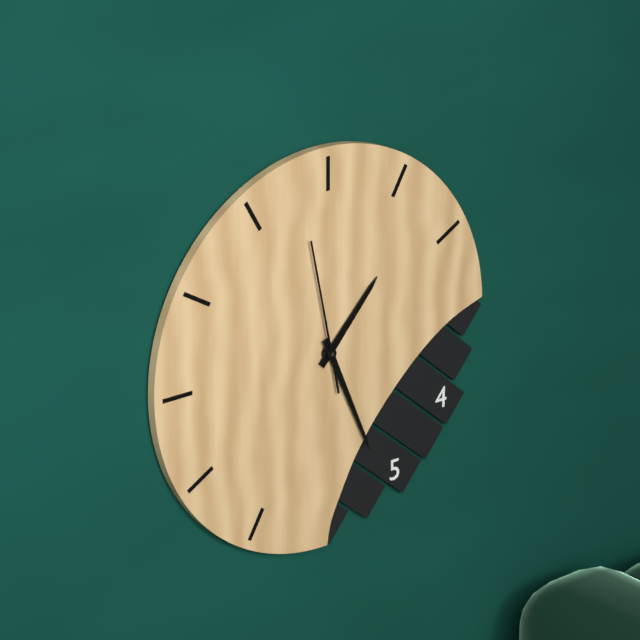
1.26.58
